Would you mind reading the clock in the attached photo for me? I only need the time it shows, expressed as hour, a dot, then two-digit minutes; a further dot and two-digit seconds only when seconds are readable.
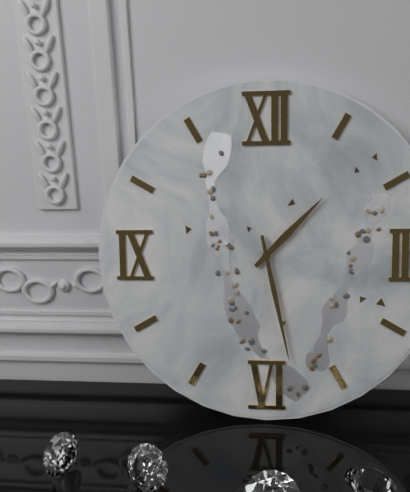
1.28
